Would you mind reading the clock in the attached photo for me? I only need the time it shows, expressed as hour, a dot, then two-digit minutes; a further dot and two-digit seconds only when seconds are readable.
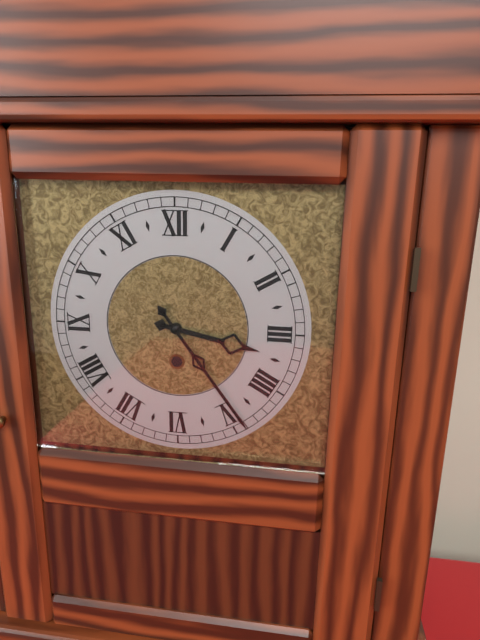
3.24
